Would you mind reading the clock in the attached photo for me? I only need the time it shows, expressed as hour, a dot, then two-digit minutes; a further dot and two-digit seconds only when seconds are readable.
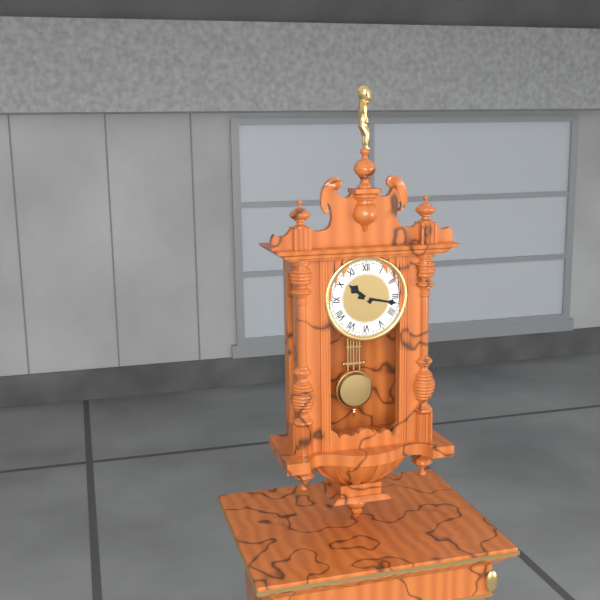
10.17
